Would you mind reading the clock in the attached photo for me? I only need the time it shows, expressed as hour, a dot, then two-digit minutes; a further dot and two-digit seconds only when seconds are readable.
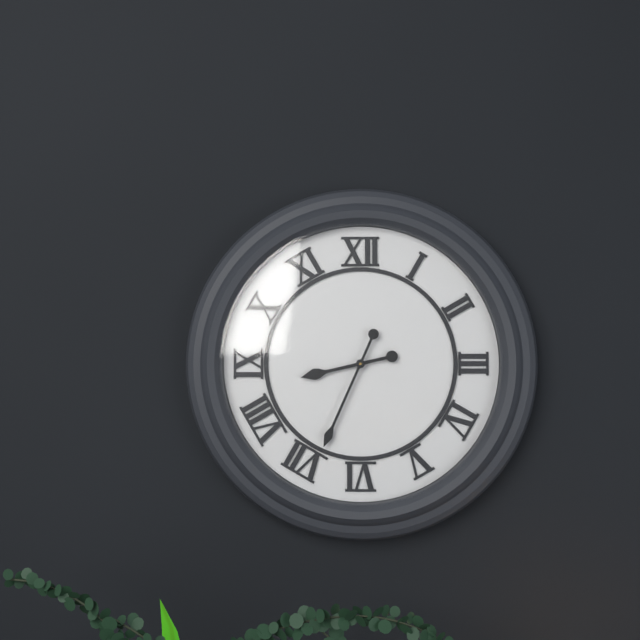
8.34
